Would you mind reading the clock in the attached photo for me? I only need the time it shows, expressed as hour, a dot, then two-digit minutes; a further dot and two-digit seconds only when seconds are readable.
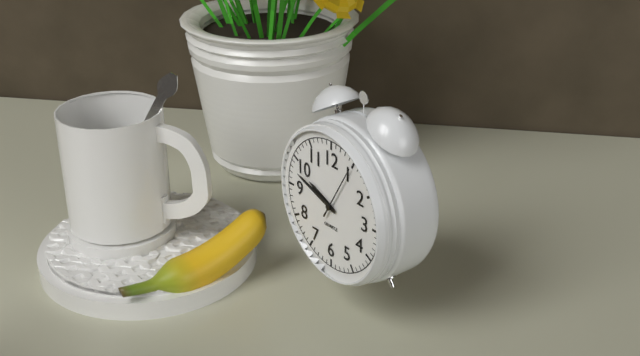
9.48.05
